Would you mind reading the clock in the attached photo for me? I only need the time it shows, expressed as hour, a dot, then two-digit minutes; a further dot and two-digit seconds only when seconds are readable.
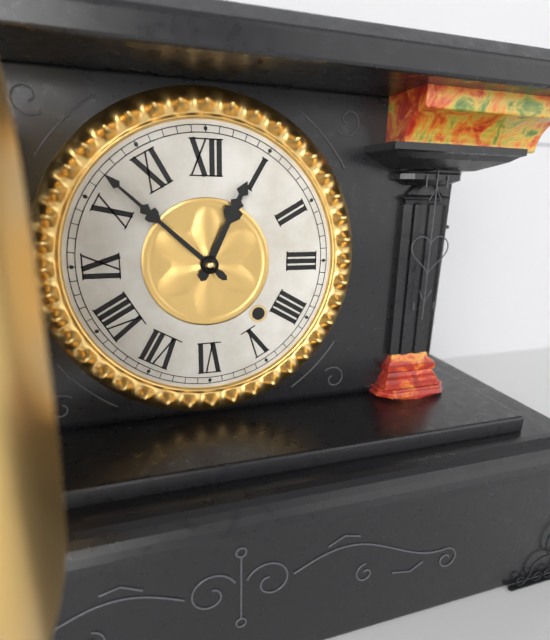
12.52
